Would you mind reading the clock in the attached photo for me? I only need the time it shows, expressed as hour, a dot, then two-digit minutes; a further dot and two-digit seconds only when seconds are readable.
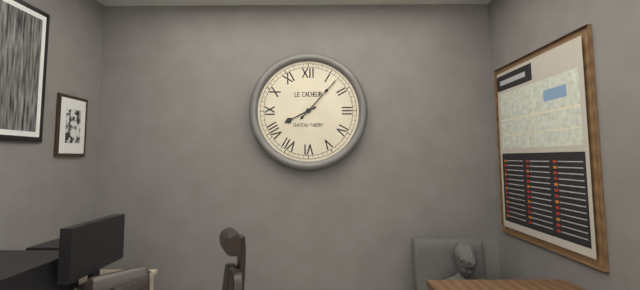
8.07
